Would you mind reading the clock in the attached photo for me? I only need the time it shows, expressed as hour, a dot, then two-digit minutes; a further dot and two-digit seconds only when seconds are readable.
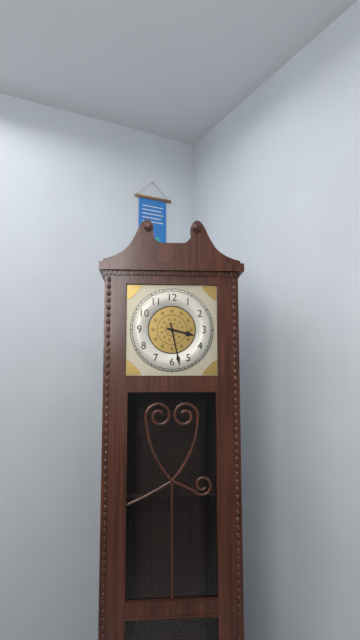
3.28
